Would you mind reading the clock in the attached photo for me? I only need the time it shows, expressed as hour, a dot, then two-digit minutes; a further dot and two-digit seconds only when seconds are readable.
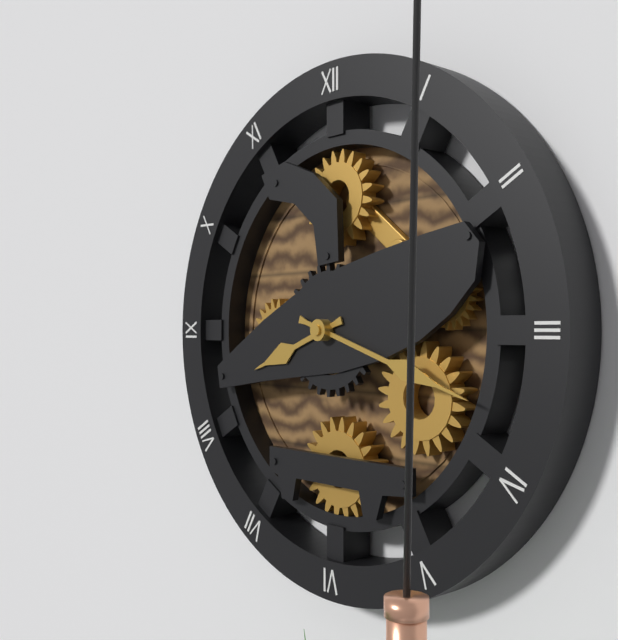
8.18
